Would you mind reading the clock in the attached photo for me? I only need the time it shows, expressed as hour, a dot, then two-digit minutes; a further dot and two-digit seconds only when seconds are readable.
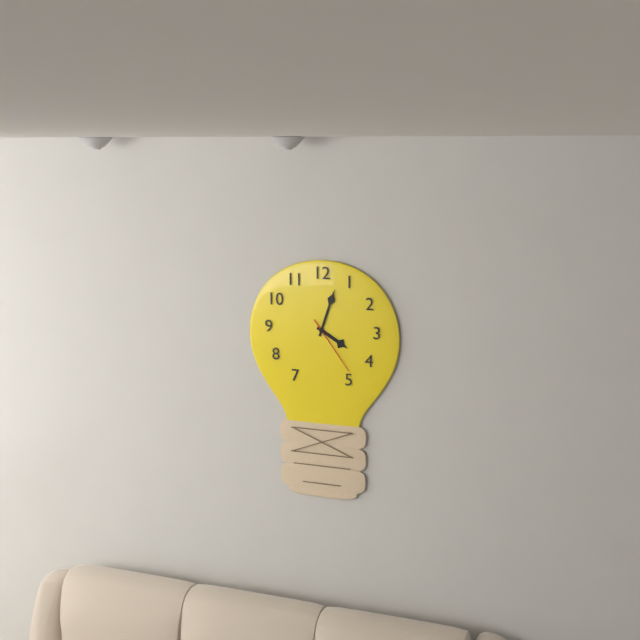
4.03.24
